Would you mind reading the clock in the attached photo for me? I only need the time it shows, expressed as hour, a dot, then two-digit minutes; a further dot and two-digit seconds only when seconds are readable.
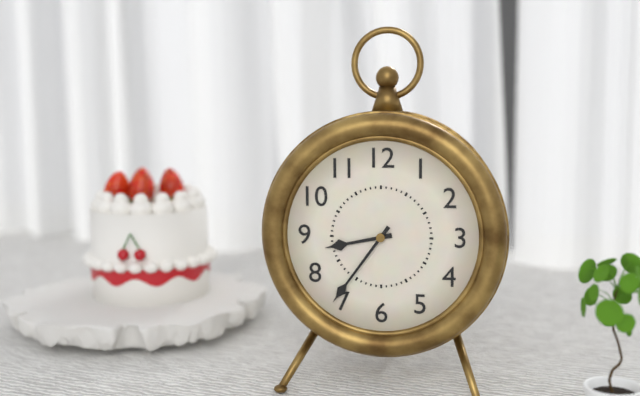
8.36
